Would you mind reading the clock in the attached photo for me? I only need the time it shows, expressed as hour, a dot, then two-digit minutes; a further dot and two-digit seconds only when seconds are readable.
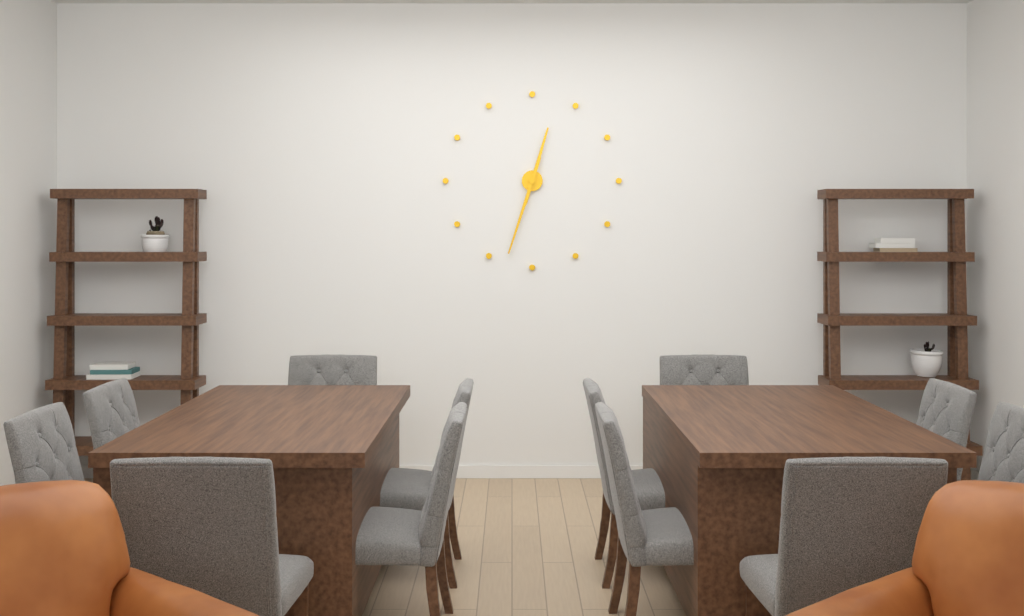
12.33
